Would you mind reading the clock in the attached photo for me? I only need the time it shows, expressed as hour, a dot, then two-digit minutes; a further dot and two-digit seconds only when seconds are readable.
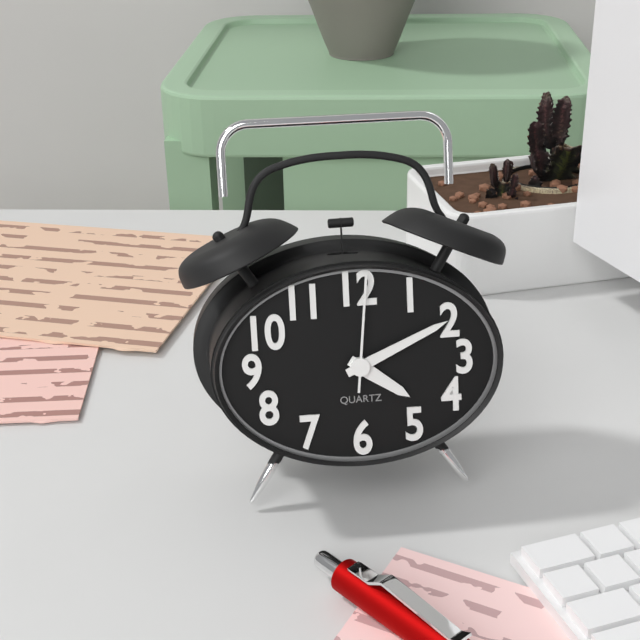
4.11.01
